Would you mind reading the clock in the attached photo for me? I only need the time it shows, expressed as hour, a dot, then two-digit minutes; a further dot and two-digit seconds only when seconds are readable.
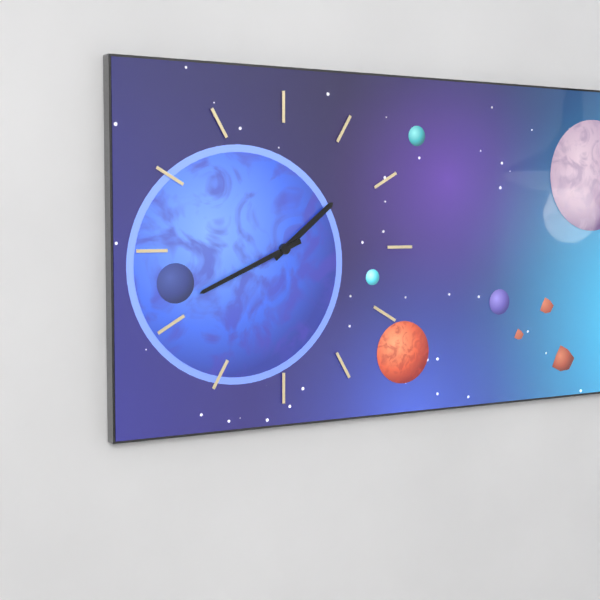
1.41
